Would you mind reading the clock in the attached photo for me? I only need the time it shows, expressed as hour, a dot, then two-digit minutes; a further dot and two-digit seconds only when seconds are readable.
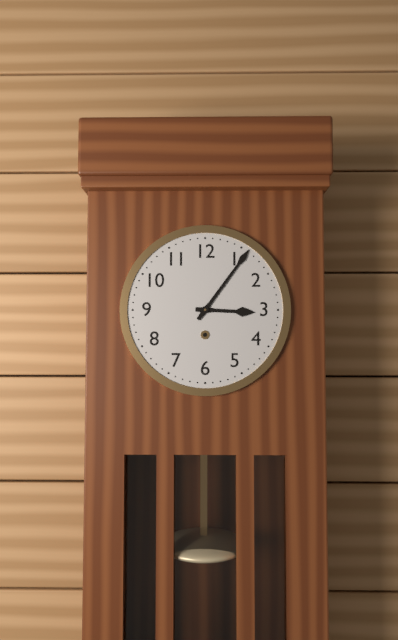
3.06
